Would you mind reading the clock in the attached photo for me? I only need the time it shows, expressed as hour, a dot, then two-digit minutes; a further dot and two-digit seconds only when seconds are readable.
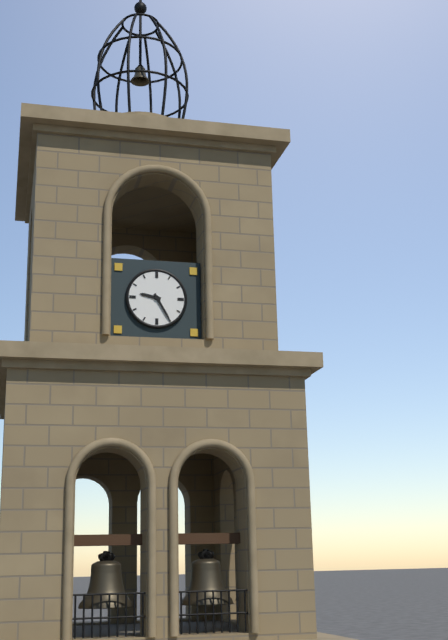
9.25
